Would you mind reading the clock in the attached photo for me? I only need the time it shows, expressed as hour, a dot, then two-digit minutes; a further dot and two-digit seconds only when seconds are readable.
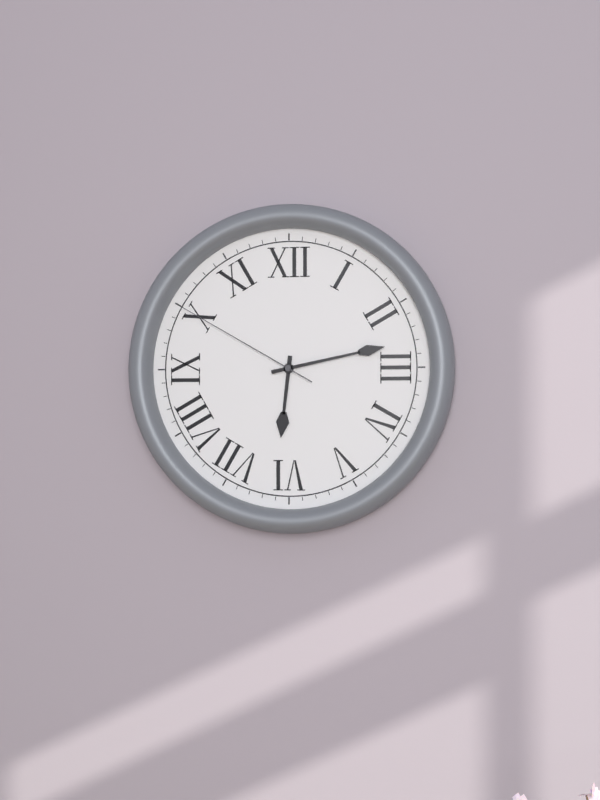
6.13.50
